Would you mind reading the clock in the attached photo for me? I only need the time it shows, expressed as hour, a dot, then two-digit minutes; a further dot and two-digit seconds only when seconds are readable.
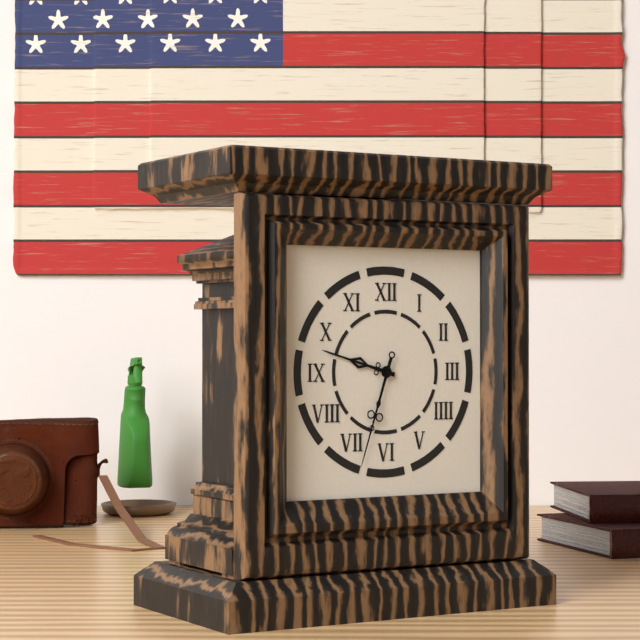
9.33
